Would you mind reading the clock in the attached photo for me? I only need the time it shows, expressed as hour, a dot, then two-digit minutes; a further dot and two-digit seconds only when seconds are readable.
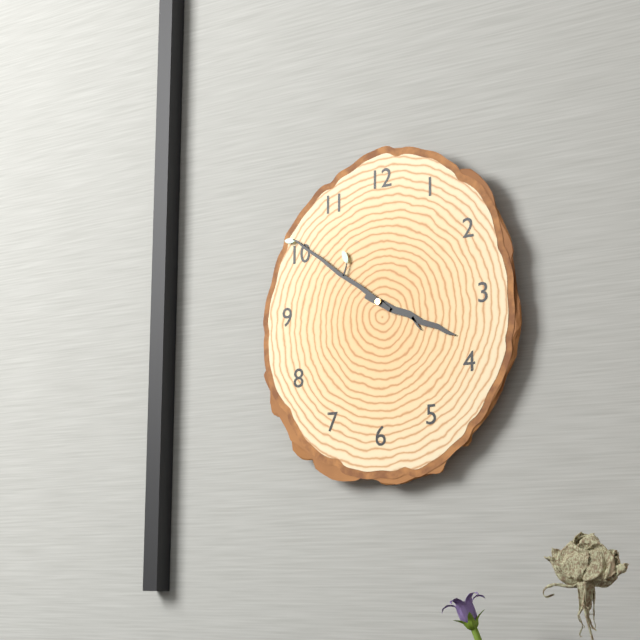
3.51
